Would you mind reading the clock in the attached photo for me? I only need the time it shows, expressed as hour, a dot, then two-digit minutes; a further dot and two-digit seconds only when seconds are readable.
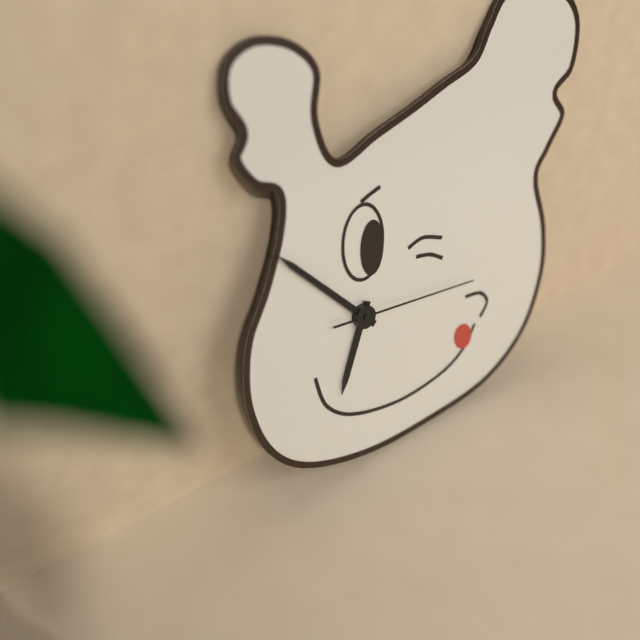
6.53.16
